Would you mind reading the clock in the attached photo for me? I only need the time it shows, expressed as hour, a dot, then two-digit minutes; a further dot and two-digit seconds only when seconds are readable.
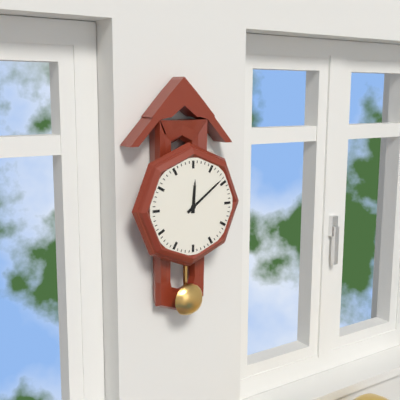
12.09
